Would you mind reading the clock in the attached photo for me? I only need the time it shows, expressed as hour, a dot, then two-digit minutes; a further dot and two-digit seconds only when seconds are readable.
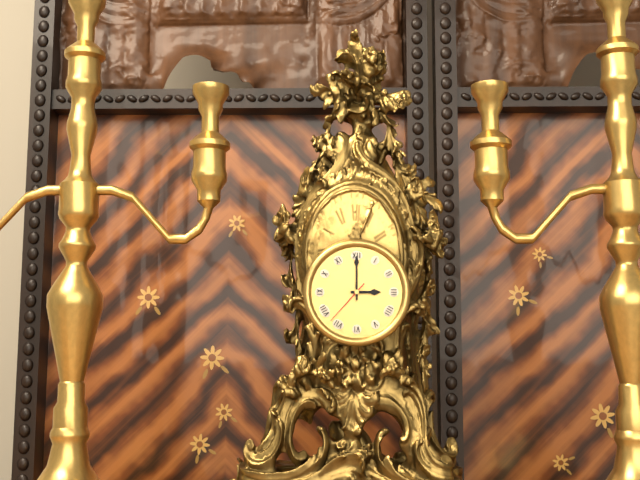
3.00
